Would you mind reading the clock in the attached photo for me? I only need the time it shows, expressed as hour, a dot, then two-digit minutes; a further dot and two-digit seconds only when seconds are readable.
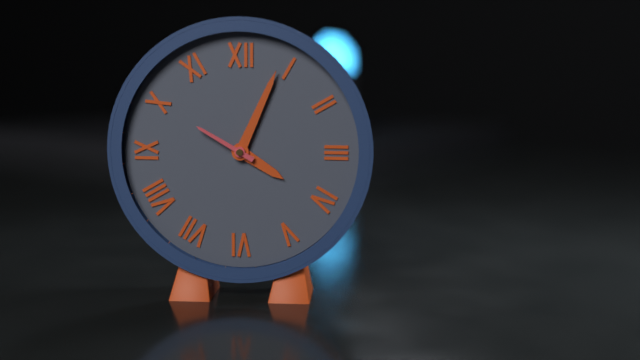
4.04.50
